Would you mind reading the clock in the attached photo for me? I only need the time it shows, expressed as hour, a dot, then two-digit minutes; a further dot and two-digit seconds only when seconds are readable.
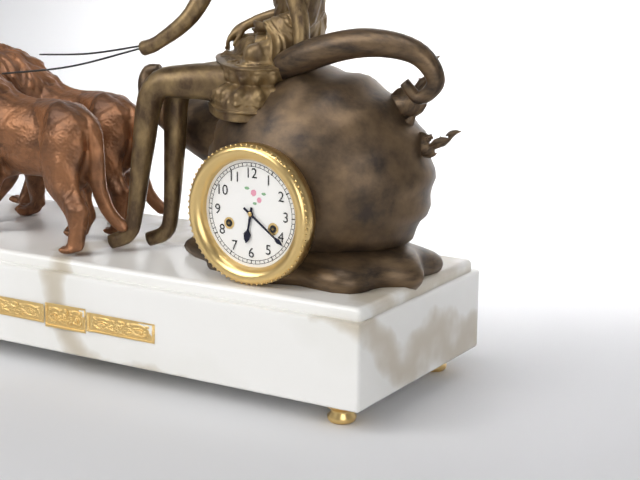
6.21
